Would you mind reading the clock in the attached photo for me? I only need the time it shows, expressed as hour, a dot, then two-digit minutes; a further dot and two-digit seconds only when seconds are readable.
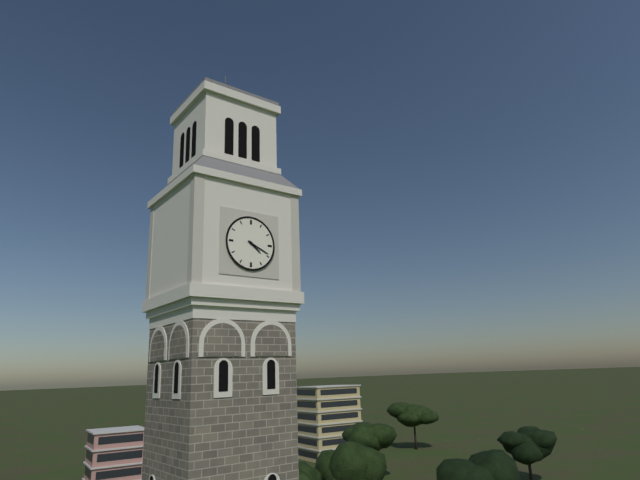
4.19
